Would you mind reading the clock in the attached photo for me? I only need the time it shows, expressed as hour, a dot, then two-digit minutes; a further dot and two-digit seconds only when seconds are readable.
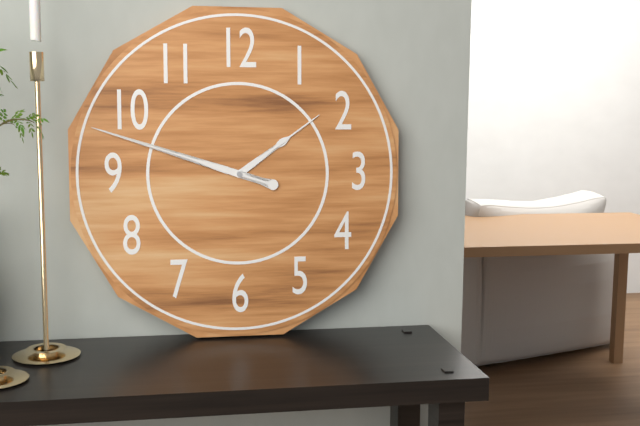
1.48
